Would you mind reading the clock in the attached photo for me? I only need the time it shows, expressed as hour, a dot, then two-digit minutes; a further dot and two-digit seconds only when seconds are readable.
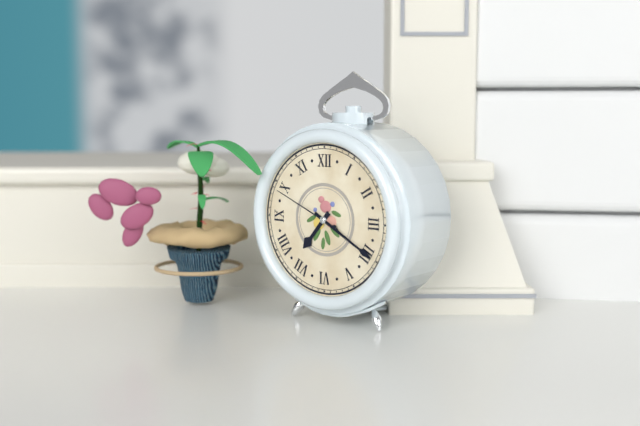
7.20.49
